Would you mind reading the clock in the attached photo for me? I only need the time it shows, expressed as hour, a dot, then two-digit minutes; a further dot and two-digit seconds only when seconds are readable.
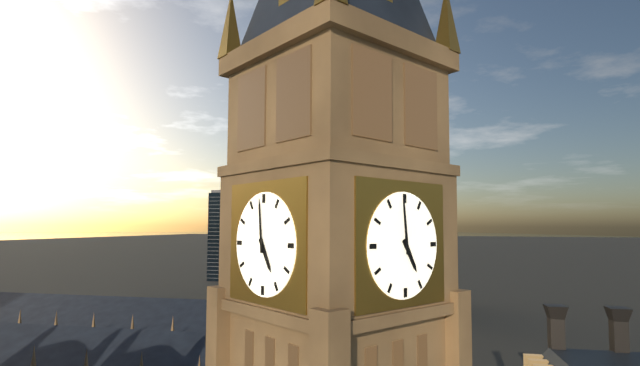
4.59
